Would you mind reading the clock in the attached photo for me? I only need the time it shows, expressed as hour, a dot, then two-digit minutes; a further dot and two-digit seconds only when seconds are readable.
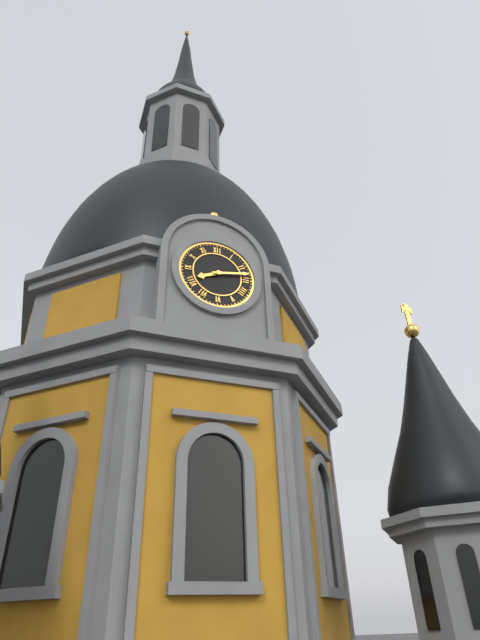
8.13
